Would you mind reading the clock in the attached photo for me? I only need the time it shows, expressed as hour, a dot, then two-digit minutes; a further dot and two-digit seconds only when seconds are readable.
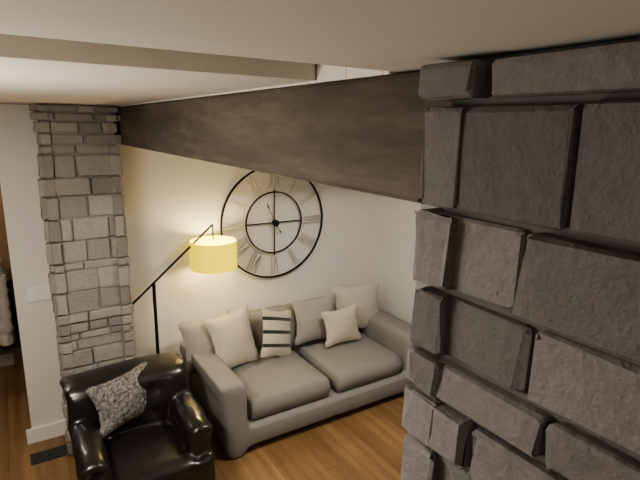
4.56
